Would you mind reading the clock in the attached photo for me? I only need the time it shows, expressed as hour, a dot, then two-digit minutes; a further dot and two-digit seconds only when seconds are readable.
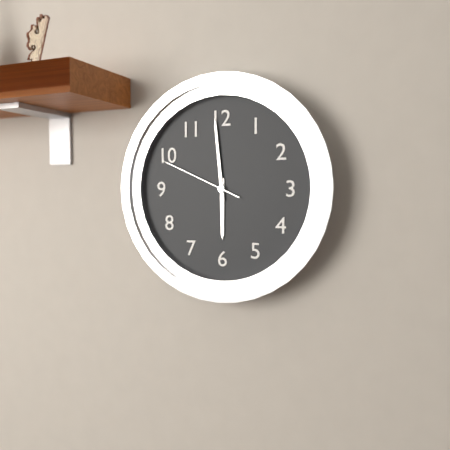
5.59.49
